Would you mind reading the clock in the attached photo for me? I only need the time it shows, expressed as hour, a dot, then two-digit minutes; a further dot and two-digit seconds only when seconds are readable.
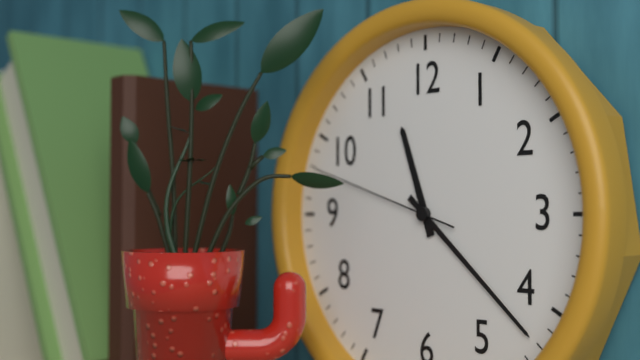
11.22.48
